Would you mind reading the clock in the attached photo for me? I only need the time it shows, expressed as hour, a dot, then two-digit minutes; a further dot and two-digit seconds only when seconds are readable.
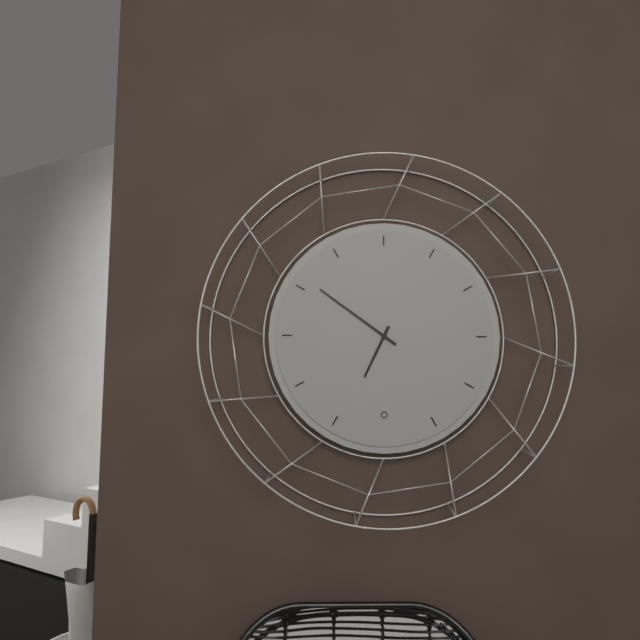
6.51
